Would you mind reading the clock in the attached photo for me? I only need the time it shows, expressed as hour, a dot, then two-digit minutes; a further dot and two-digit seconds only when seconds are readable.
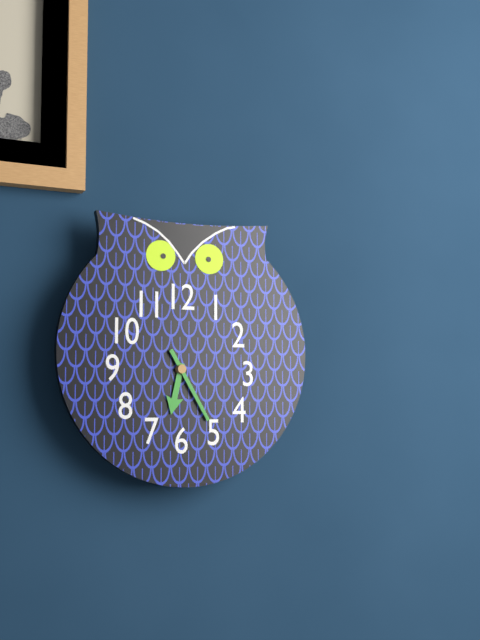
6.25
